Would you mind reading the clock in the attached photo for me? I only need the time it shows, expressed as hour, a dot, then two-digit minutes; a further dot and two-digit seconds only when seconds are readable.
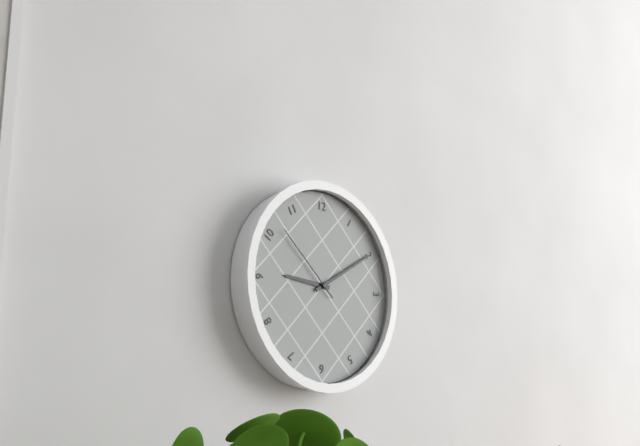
9.10.52
